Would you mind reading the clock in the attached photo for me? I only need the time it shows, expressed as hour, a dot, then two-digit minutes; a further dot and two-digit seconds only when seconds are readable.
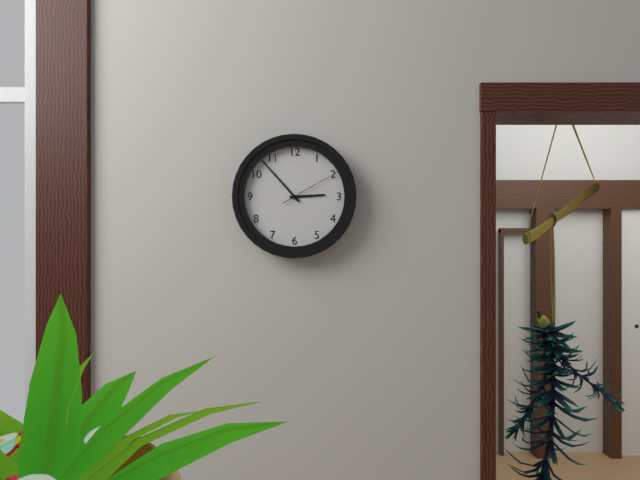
2.53.10
